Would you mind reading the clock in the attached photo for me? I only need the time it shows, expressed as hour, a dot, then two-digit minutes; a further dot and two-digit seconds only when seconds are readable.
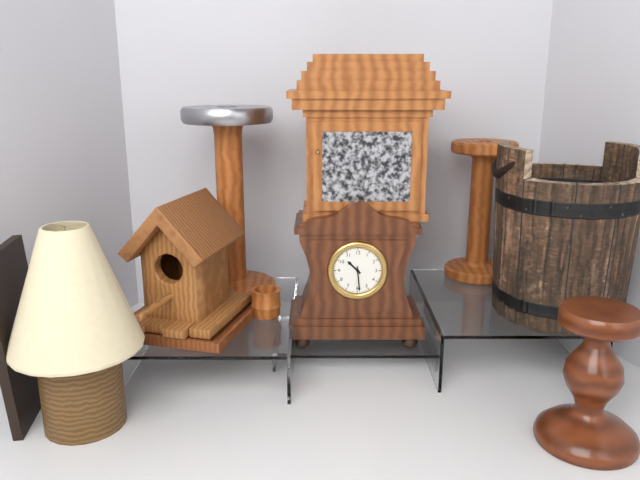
10.29
